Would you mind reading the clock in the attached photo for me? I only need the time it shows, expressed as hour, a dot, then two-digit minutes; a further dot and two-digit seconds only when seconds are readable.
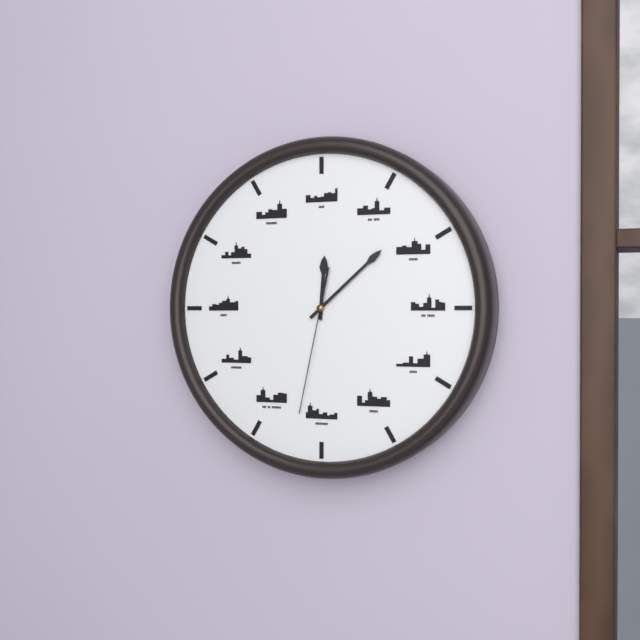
12.08.32
